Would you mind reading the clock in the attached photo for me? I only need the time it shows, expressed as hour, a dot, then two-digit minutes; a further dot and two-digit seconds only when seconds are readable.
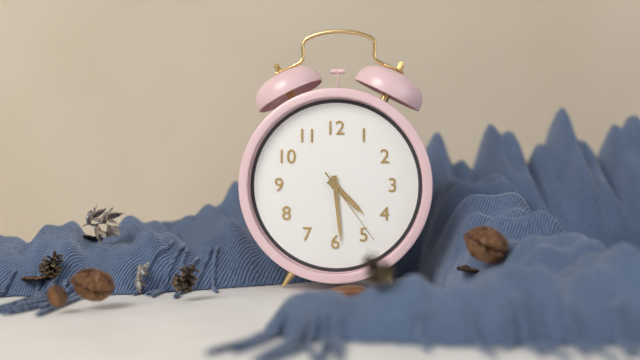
4.29.24
